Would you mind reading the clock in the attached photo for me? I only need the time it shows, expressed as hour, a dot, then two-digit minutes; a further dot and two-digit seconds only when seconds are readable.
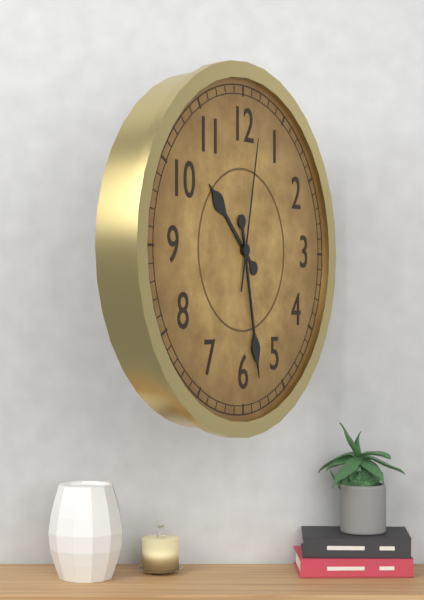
10.28.02
